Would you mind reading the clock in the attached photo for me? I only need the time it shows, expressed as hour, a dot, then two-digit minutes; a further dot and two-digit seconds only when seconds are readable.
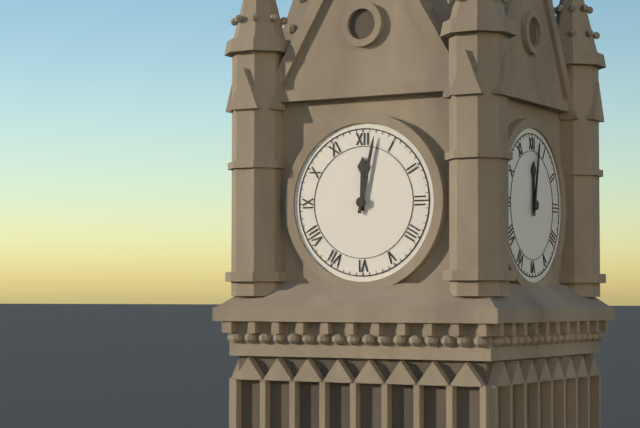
12.02
